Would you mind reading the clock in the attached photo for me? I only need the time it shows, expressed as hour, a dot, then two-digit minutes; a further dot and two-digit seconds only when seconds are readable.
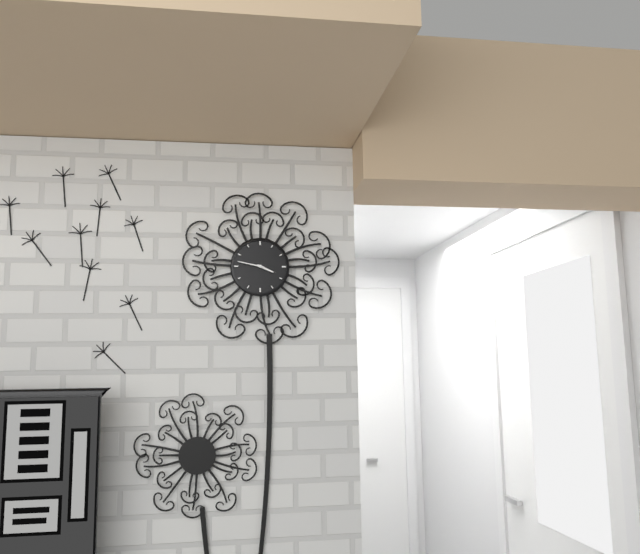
3.47
